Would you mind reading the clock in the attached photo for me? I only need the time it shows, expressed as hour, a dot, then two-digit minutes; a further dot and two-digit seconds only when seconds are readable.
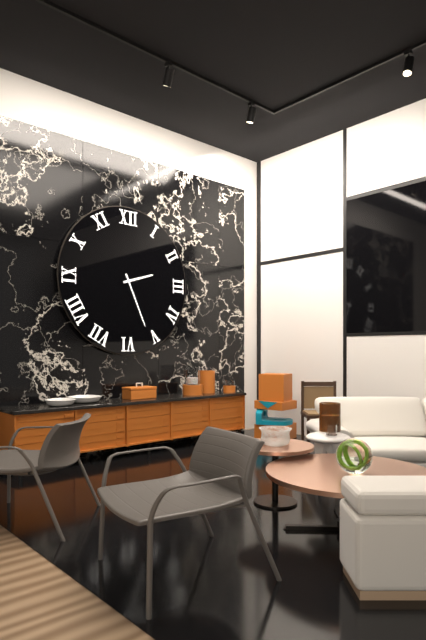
2.26
